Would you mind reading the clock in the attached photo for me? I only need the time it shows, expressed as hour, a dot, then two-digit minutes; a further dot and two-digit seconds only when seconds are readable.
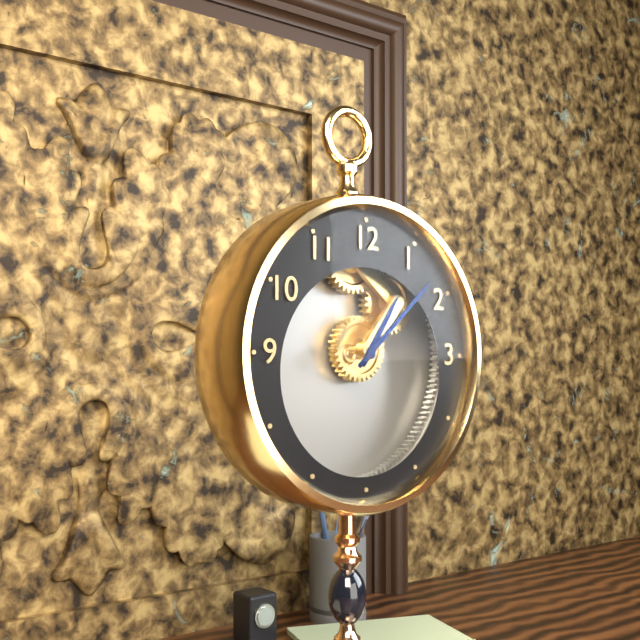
1.08
